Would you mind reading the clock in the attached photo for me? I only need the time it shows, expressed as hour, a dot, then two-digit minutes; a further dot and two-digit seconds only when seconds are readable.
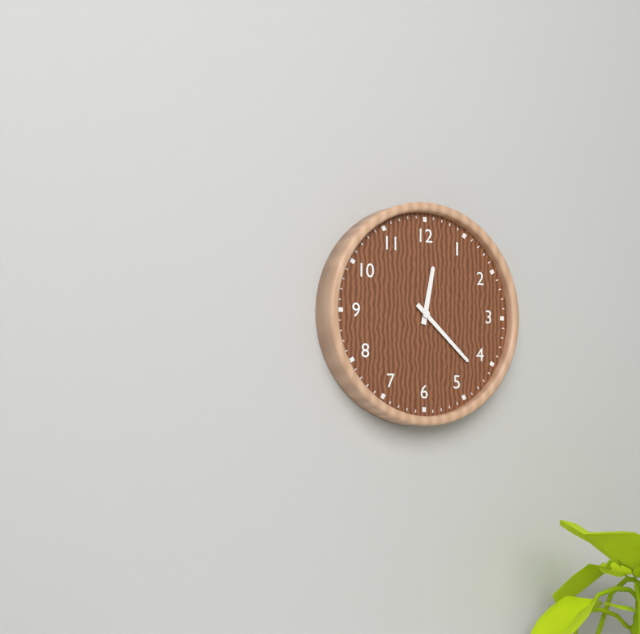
12.22
